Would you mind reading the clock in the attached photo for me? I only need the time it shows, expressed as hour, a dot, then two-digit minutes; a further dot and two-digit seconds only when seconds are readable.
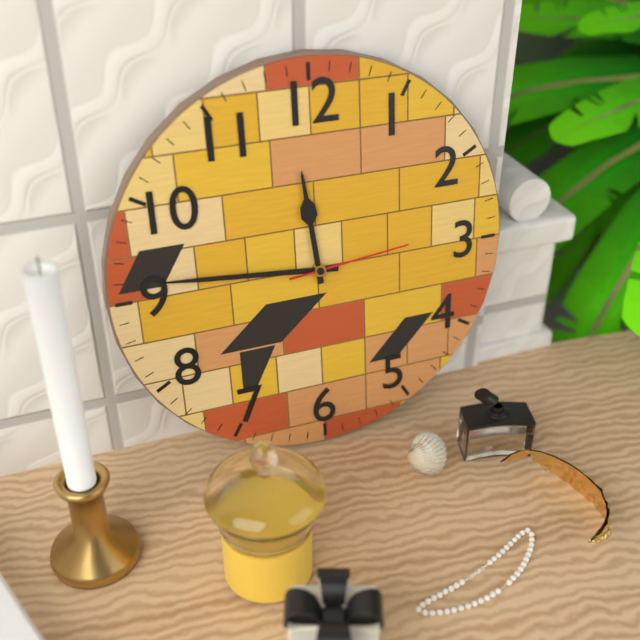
11.46.14
